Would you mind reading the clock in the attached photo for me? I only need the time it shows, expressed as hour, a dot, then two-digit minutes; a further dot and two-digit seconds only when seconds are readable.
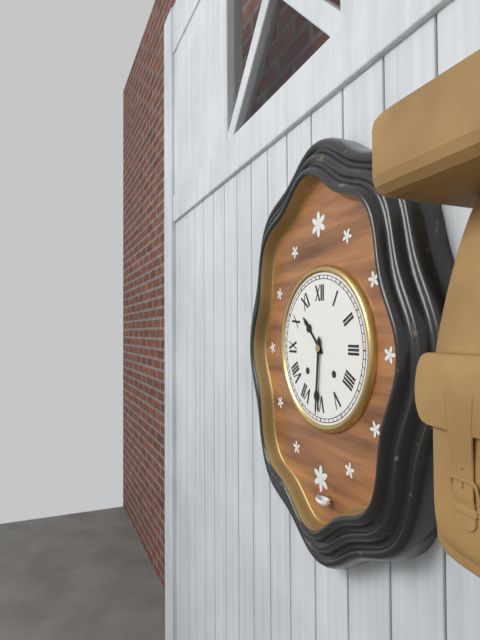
10.31
